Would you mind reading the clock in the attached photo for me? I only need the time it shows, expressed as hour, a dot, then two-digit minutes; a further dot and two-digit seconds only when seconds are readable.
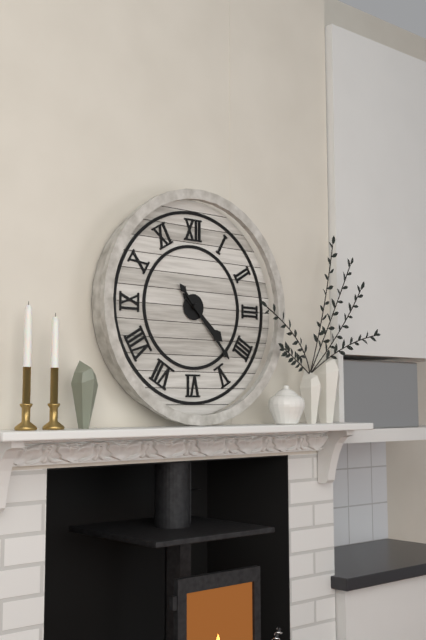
4.23
